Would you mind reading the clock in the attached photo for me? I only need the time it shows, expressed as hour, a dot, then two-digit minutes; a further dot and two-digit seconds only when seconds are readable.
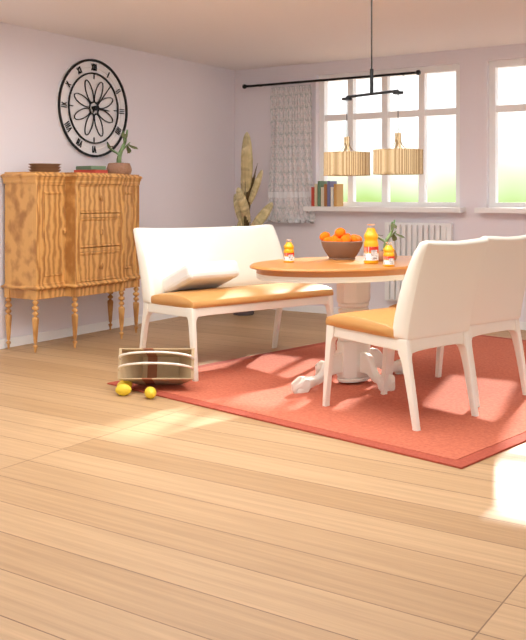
3.07
